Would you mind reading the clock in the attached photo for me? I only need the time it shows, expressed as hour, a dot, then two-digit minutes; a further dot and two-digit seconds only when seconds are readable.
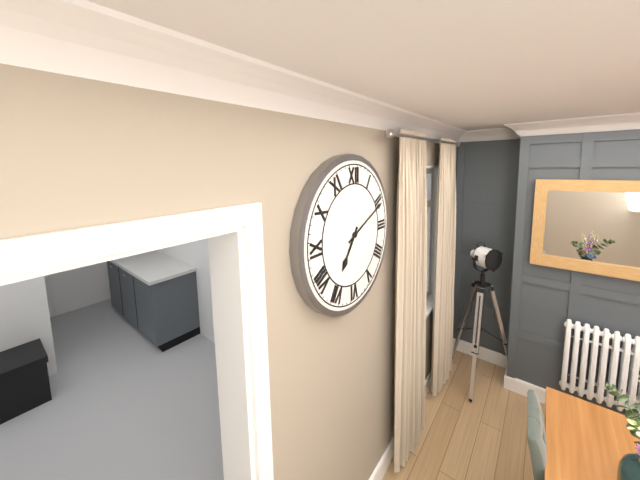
7.11
